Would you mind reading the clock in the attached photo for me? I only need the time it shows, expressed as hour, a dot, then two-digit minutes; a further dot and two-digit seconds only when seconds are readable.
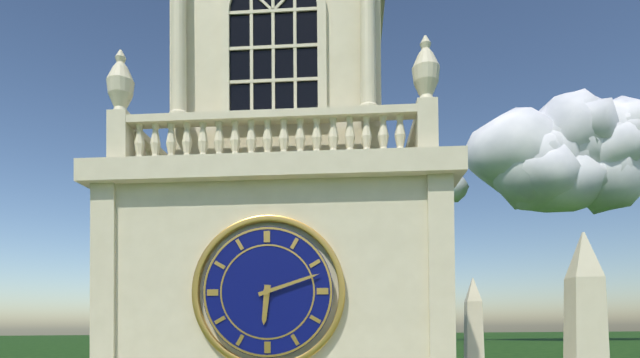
6.12
